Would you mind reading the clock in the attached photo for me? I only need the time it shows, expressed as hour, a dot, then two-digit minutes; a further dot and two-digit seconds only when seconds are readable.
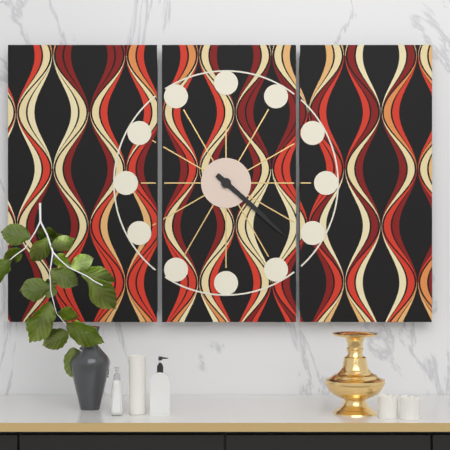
4.22
